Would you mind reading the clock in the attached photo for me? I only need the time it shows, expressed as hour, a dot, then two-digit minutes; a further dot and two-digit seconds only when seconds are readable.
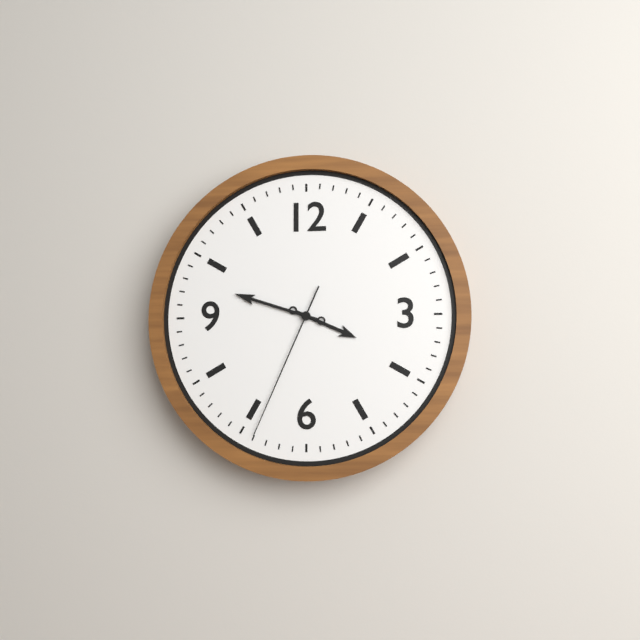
3.48.34
